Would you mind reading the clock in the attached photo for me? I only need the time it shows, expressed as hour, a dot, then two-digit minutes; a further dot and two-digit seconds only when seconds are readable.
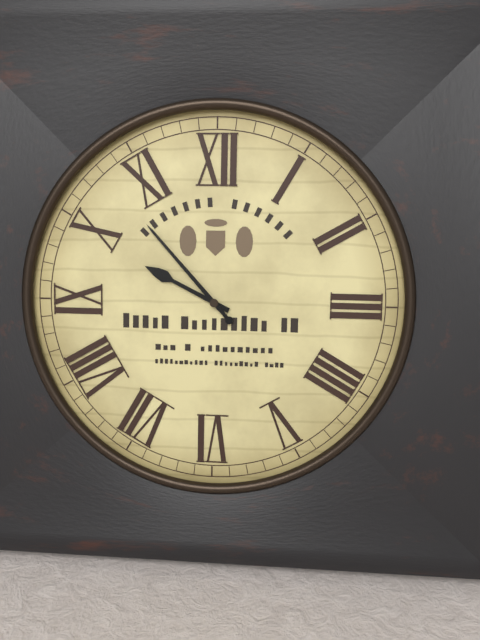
9.53
